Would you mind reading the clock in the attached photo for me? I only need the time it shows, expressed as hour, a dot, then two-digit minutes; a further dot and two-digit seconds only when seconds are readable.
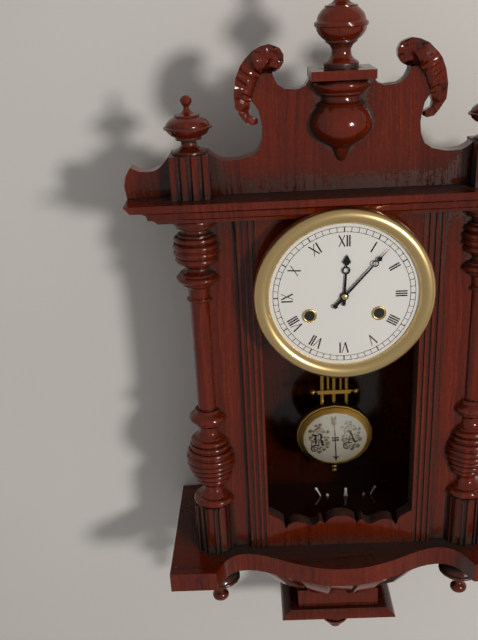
12.07
